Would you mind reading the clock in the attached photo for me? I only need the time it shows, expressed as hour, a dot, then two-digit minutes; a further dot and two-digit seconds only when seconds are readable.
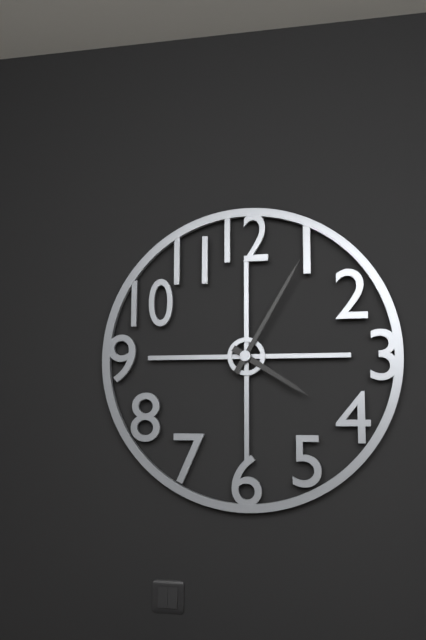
4.05
